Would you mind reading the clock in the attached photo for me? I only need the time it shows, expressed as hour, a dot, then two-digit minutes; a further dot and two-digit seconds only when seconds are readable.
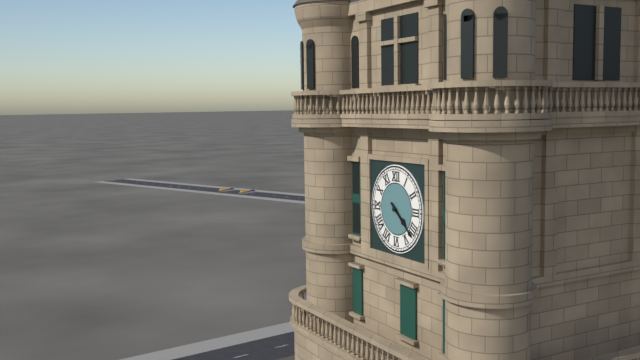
4.22
